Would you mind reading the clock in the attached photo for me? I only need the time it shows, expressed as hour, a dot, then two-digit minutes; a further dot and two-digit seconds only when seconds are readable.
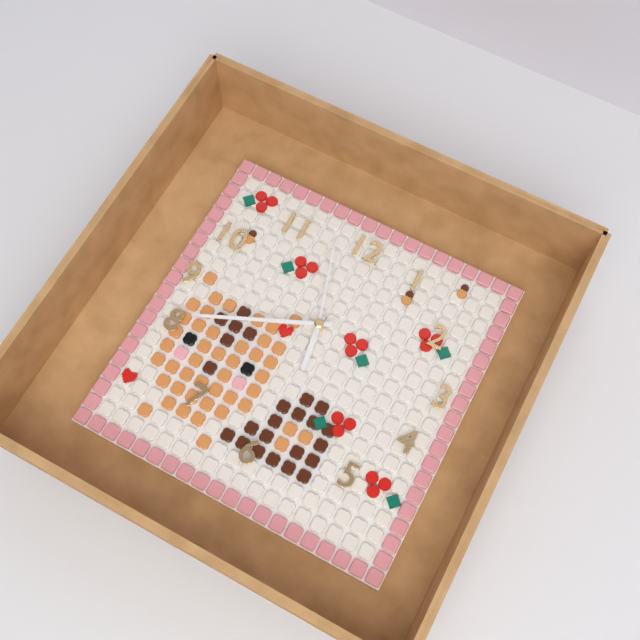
5.41.57
